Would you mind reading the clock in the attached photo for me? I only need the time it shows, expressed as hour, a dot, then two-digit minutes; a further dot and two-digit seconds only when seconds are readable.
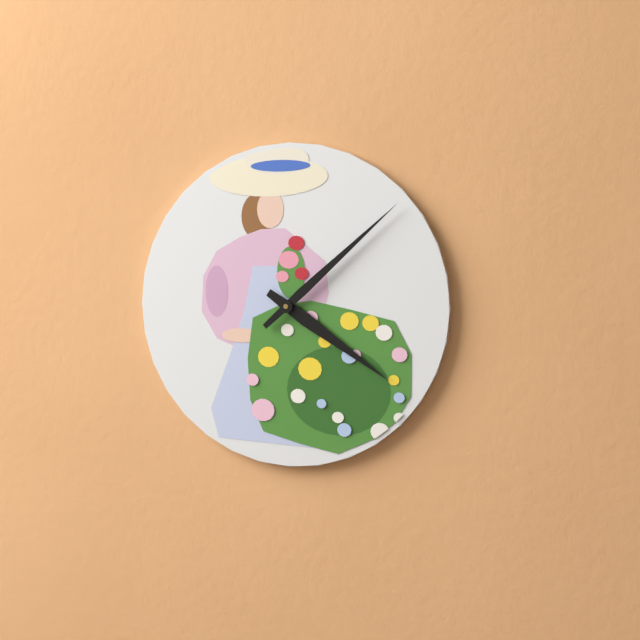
4.08
